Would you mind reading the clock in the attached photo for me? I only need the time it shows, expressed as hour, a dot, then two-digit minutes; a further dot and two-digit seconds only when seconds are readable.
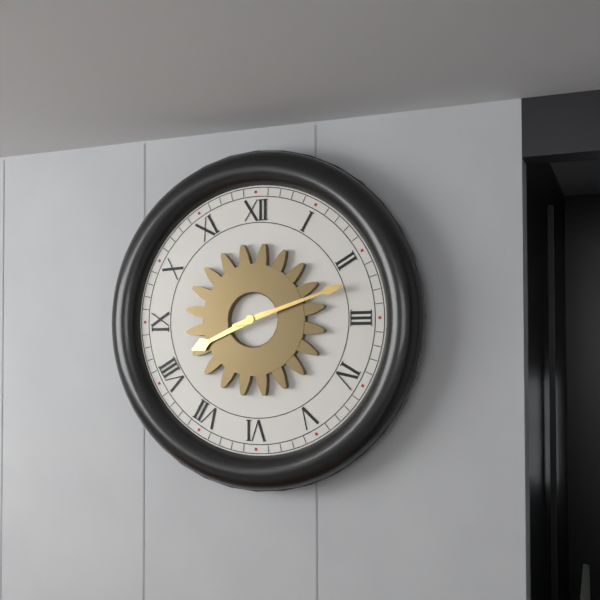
8.12
